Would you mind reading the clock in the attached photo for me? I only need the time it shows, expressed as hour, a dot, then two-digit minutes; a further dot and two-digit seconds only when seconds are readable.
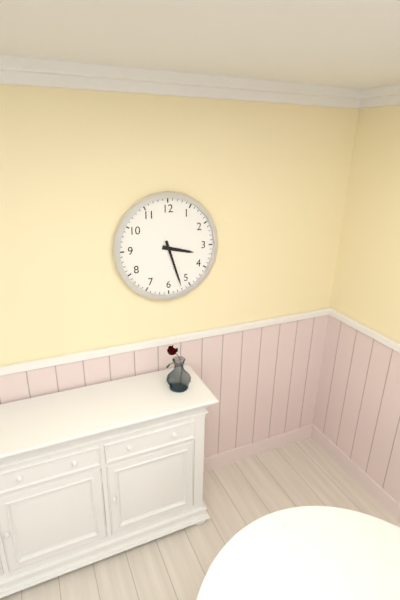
3.27
